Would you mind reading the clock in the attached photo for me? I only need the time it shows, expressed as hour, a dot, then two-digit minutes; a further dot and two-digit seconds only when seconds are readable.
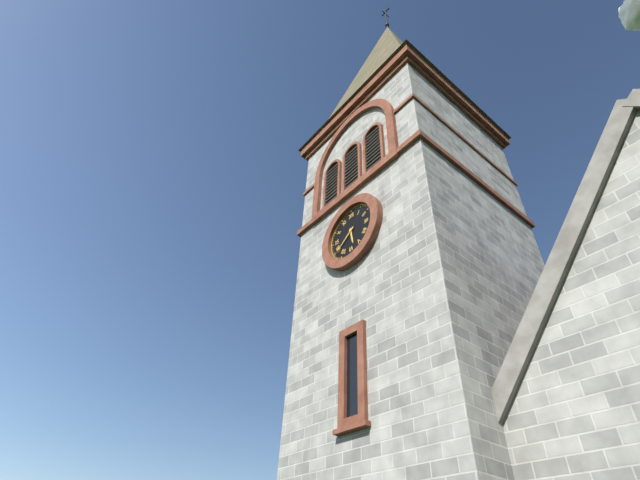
5.39
